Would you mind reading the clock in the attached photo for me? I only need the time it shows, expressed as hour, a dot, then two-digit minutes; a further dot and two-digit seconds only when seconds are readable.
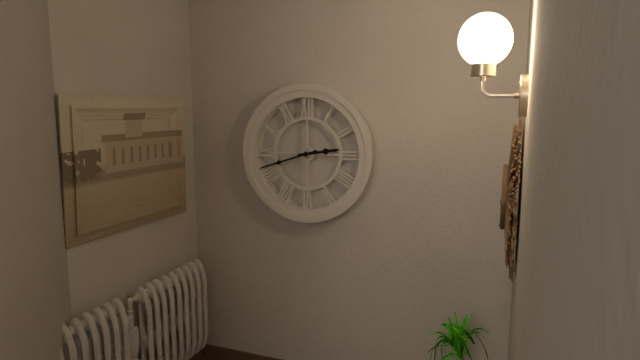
2.42
